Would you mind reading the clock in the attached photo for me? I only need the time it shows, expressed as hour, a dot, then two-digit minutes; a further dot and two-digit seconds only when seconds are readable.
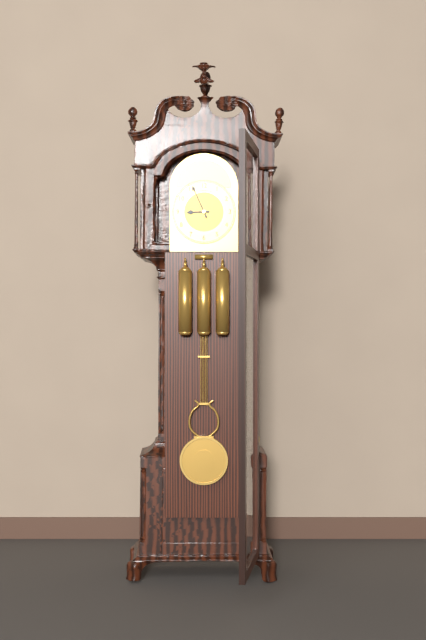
8.56
